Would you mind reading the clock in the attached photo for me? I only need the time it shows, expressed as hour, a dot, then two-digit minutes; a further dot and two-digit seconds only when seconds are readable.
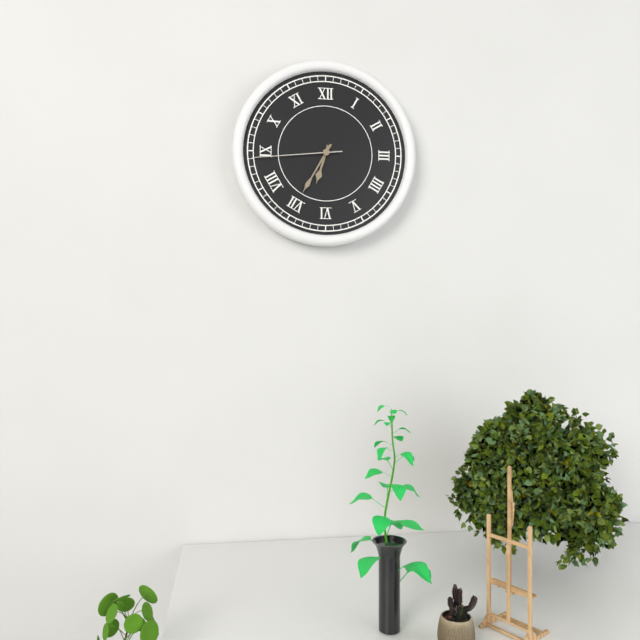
6.35.44
